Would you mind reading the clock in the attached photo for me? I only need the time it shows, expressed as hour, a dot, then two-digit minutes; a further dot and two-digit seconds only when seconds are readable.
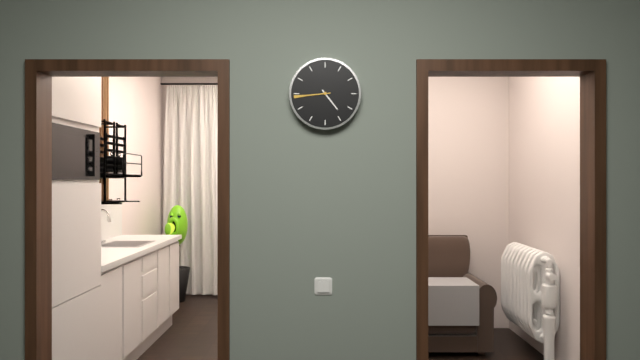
4.44
